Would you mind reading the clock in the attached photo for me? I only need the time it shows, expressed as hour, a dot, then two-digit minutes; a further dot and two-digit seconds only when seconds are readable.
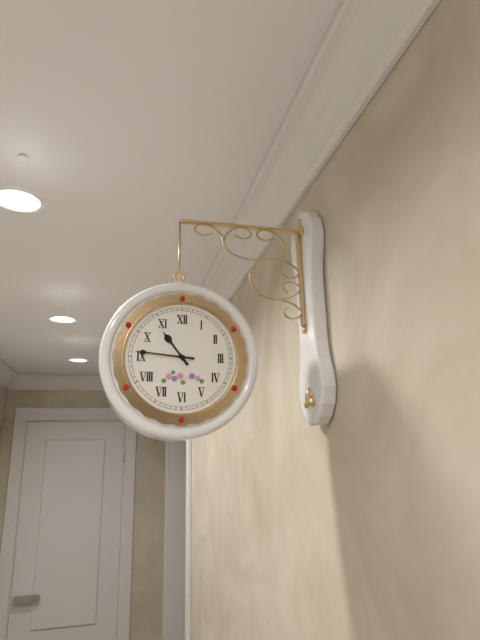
10.46
